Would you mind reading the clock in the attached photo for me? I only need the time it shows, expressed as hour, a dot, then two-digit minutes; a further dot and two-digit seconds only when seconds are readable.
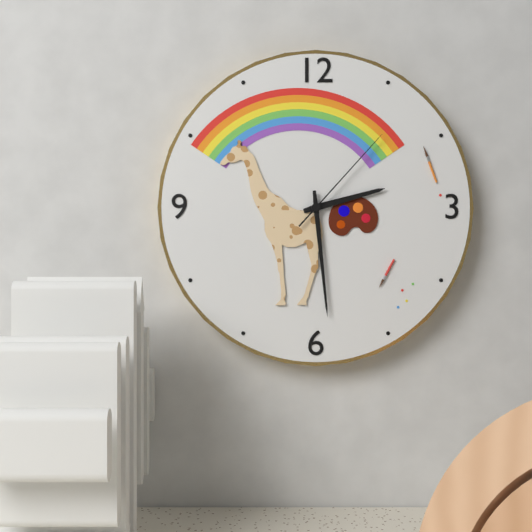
2.29.07
